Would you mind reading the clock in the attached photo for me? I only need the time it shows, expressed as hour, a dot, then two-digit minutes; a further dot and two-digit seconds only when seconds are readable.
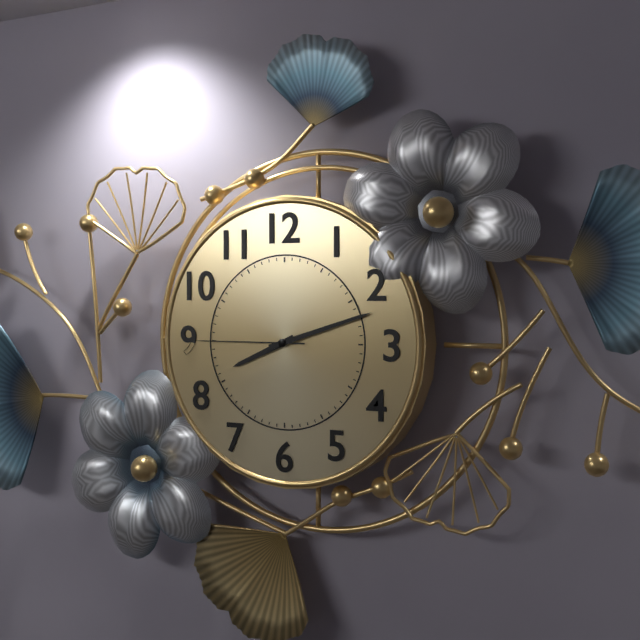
8.12.45
